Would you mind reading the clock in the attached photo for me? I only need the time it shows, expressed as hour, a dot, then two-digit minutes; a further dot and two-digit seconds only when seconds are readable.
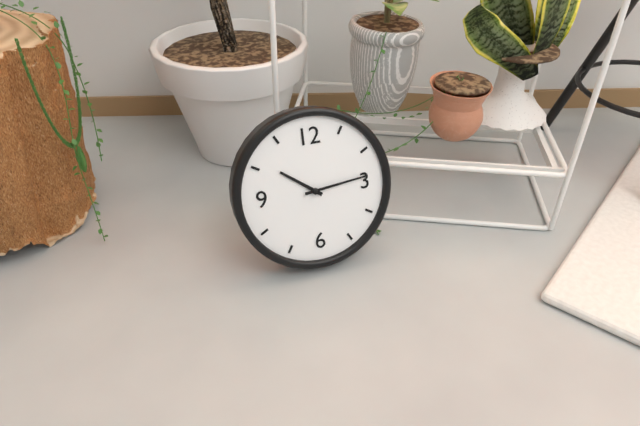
10.14
